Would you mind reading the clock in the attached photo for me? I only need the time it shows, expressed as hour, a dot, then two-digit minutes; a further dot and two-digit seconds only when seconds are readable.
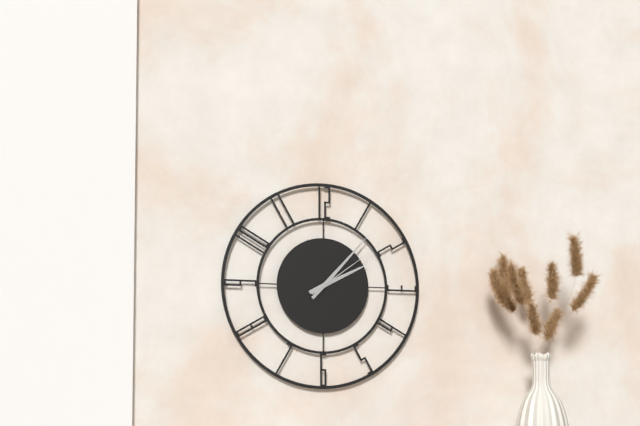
2.07.09
